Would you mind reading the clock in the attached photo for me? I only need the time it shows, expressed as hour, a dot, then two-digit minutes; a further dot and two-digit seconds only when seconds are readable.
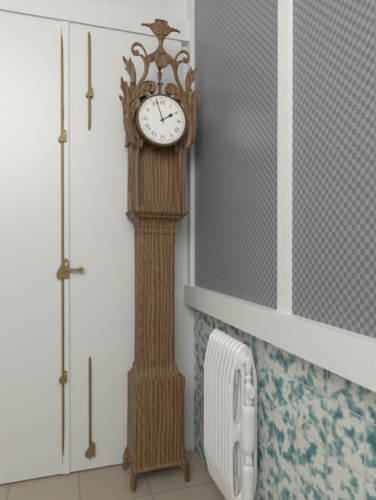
1.57
